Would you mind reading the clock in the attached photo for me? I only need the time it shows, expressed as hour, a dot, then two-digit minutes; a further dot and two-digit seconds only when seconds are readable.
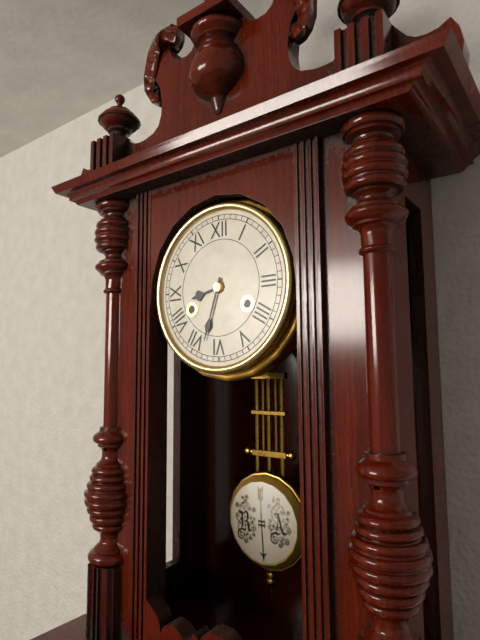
8.33
